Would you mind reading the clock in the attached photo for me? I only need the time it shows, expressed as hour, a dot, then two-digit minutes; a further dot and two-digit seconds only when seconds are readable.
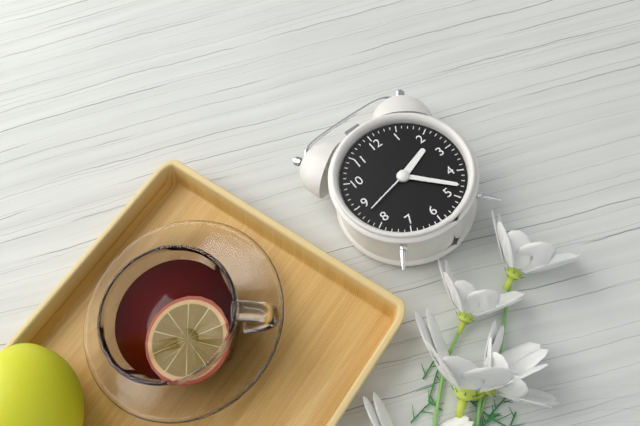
2.23.43
